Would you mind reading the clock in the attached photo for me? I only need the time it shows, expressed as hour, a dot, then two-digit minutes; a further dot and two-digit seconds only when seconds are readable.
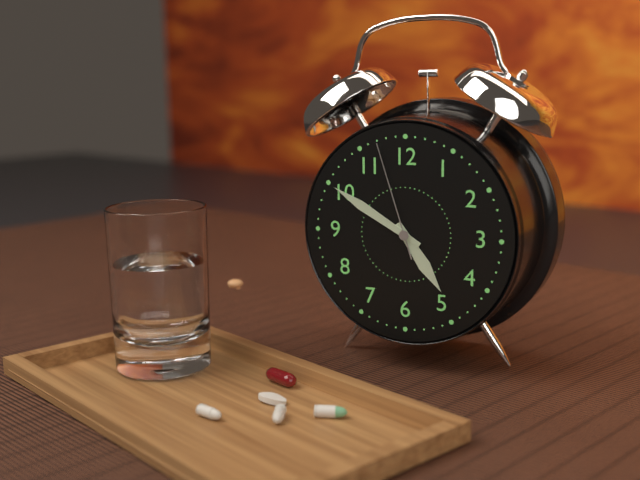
4.50.57
